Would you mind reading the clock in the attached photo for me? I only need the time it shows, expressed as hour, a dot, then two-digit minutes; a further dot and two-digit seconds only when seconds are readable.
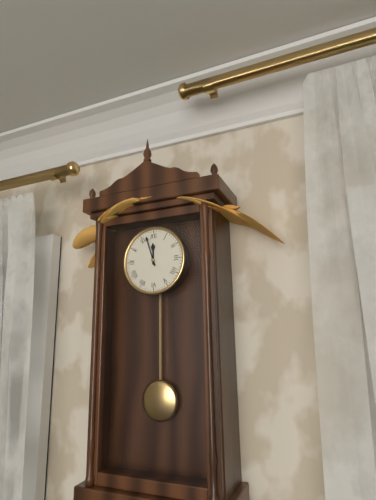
11.57
